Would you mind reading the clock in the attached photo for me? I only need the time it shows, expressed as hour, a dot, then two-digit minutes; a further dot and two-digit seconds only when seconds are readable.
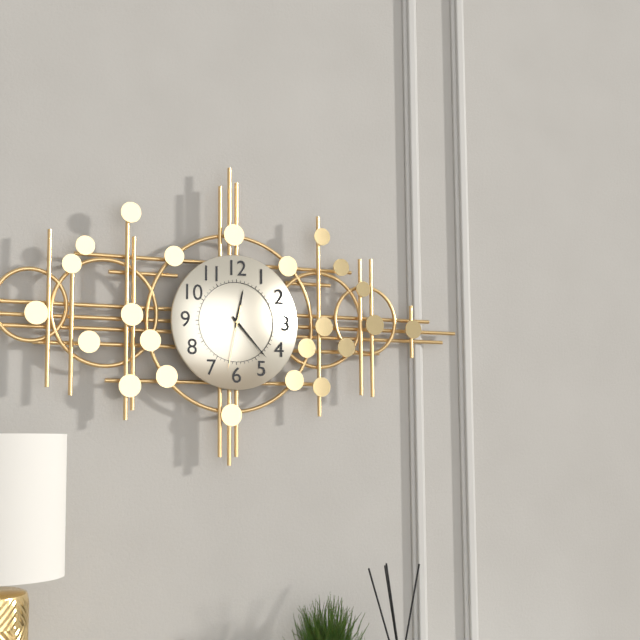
12.23.32
